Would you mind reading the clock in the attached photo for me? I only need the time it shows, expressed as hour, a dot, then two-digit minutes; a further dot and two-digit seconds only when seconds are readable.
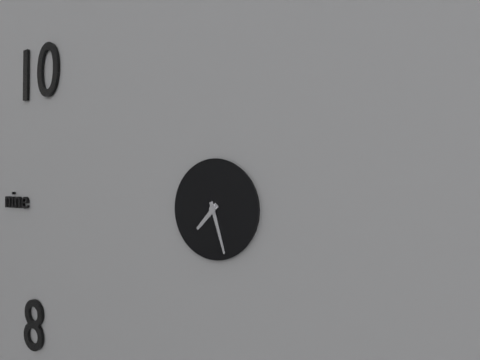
7.27
